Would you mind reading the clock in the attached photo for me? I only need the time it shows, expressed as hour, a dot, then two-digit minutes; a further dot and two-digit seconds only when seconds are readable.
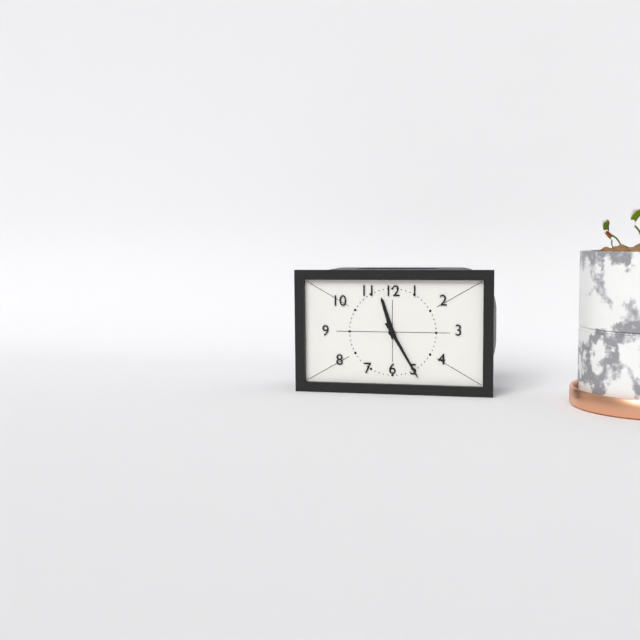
11.25
